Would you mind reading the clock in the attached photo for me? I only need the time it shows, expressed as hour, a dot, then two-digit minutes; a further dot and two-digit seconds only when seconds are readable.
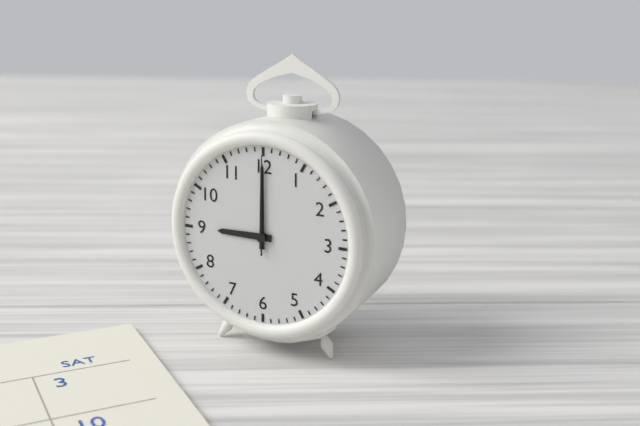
9.00.00
